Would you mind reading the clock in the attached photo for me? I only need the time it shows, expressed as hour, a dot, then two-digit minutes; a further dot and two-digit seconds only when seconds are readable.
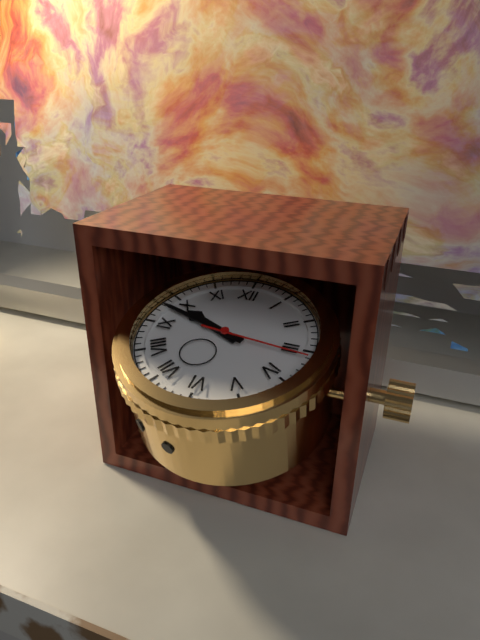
9.48.16
